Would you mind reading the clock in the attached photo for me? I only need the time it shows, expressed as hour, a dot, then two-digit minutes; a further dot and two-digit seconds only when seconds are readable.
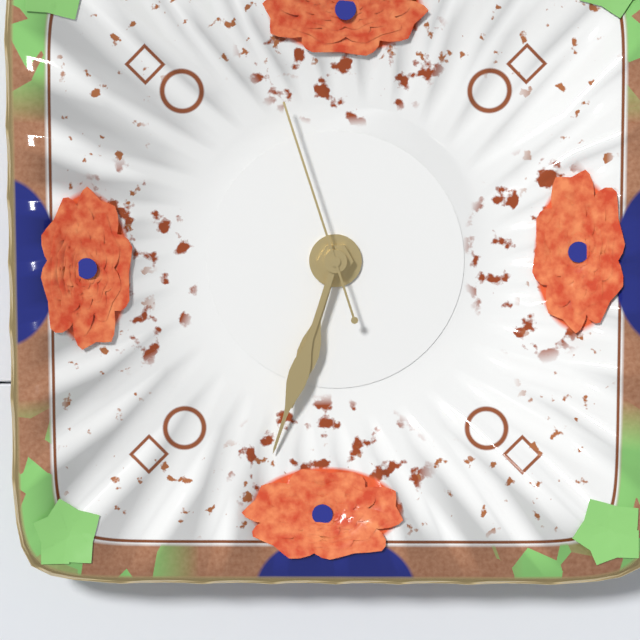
6.33.57
